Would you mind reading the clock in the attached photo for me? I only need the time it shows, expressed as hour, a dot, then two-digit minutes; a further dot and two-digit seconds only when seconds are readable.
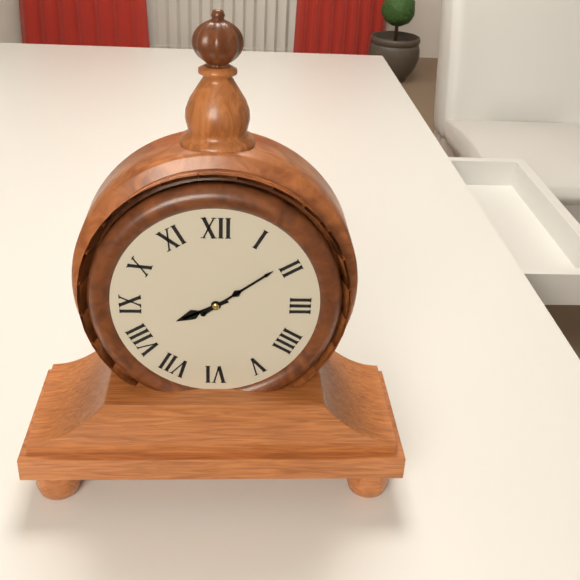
8.09
